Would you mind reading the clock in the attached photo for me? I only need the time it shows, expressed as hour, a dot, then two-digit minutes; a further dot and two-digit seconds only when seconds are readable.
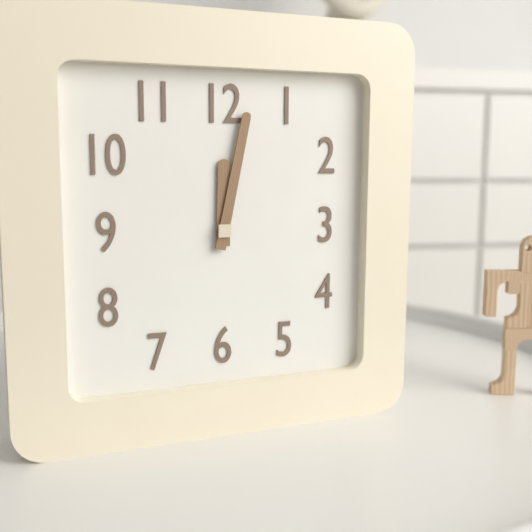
12.02
